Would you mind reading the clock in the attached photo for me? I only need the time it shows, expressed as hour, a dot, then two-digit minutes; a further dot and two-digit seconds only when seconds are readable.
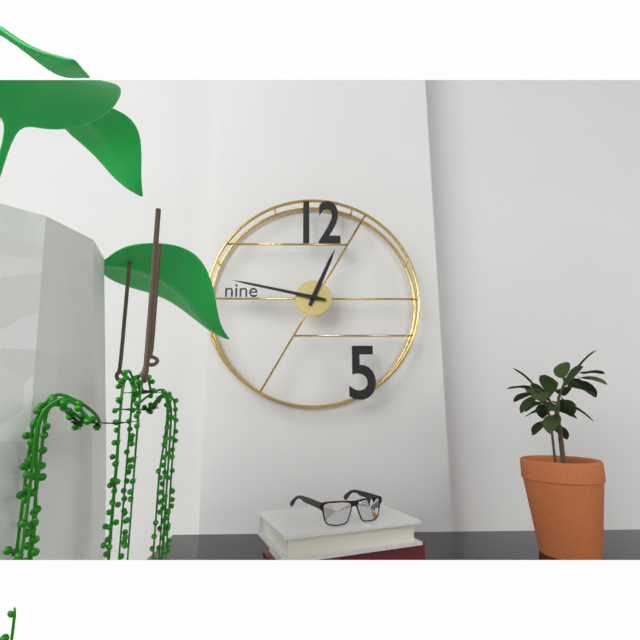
12.47
